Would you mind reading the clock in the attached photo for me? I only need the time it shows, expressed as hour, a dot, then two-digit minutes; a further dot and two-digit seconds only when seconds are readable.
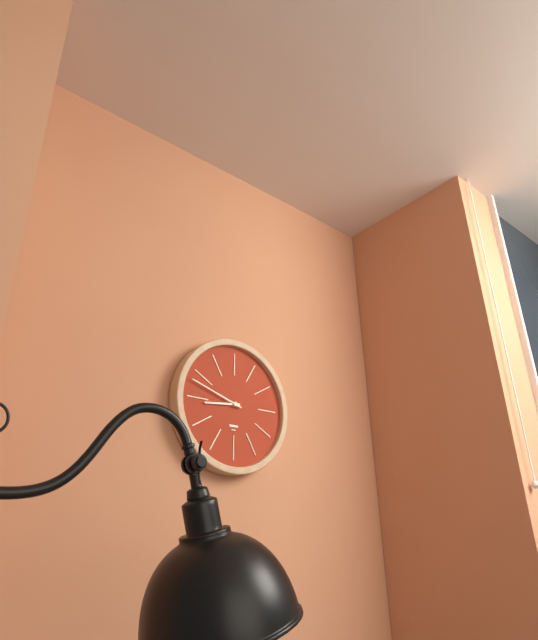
8.48
